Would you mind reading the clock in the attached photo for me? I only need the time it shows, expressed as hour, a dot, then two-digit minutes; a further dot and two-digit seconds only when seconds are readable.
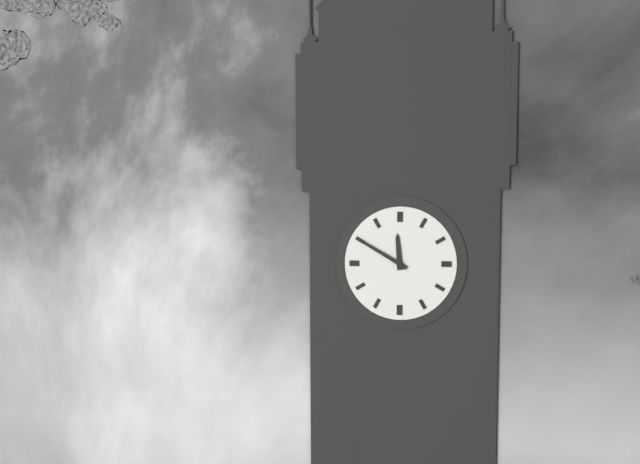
11.50
